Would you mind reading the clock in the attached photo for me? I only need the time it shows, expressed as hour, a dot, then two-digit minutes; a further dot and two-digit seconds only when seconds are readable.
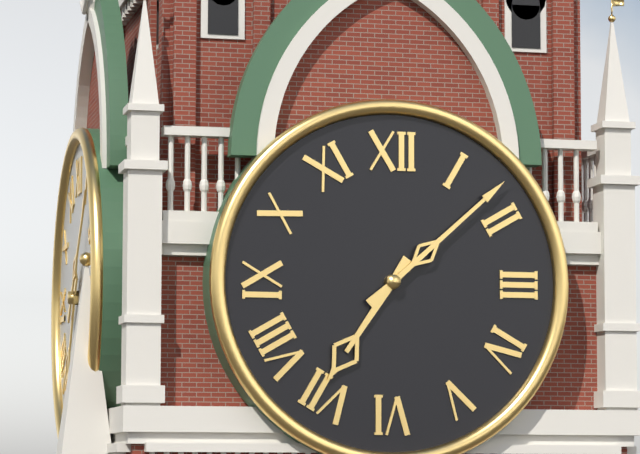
7.08
